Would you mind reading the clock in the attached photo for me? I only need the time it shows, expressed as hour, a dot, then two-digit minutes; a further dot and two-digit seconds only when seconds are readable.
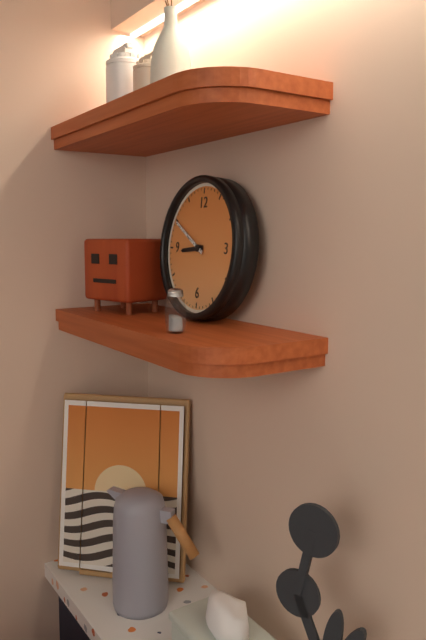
8.50
